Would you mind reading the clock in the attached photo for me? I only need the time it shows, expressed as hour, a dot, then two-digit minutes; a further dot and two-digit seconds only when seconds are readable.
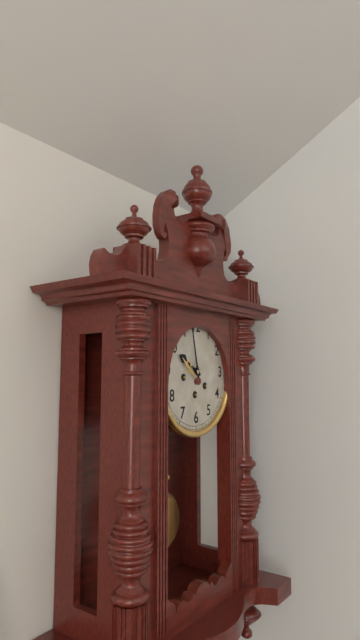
9.58
